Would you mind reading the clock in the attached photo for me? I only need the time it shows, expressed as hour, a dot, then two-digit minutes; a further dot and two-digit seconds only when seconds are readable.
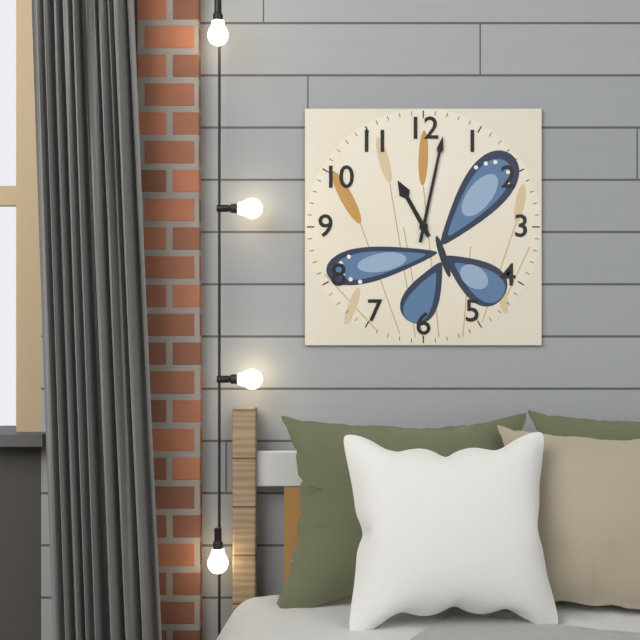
11.02
